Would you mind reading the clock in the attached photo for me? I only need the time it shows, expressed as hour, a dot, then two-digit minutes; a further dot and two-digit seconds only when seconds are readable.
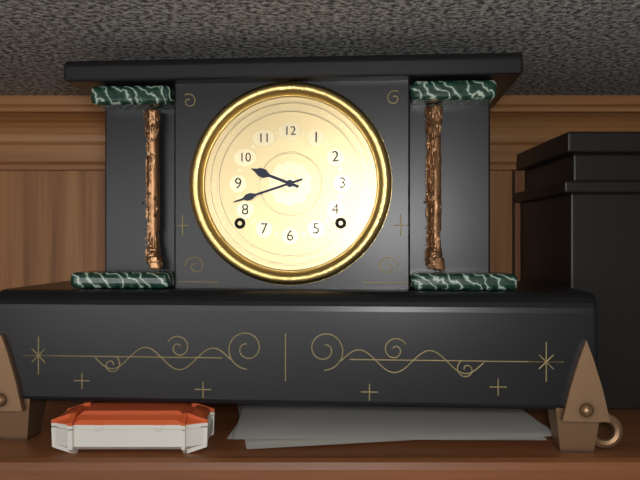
9.42
